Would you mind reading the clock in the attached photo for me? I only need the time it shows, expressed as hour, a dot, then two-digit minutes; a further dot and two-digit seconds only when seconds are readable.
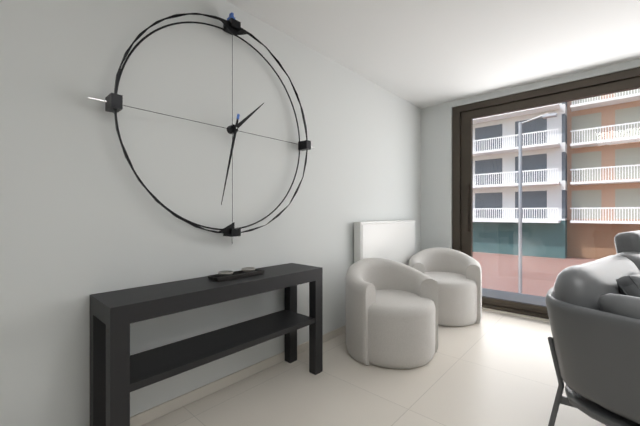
1.32
